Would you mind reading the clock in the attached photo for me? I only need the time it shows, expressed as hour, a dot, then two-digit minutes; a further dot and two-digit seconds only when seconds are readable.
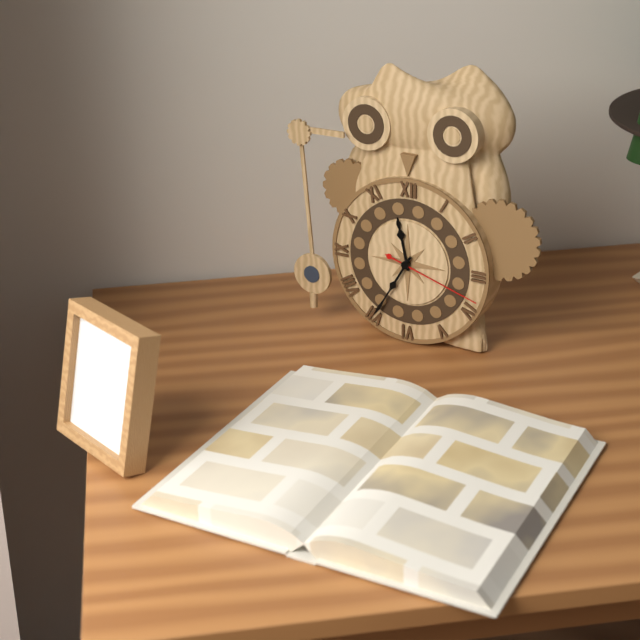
11.35.18
